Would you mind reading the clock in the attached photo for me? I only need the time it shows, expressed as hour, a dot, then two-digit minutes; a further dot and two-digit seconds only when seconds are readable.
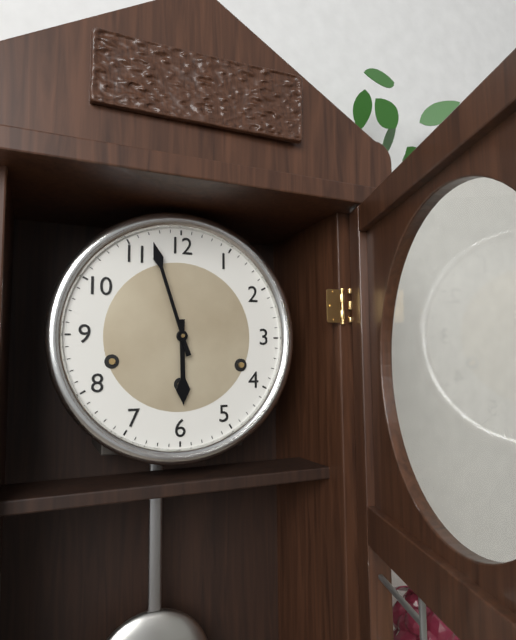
5.57
